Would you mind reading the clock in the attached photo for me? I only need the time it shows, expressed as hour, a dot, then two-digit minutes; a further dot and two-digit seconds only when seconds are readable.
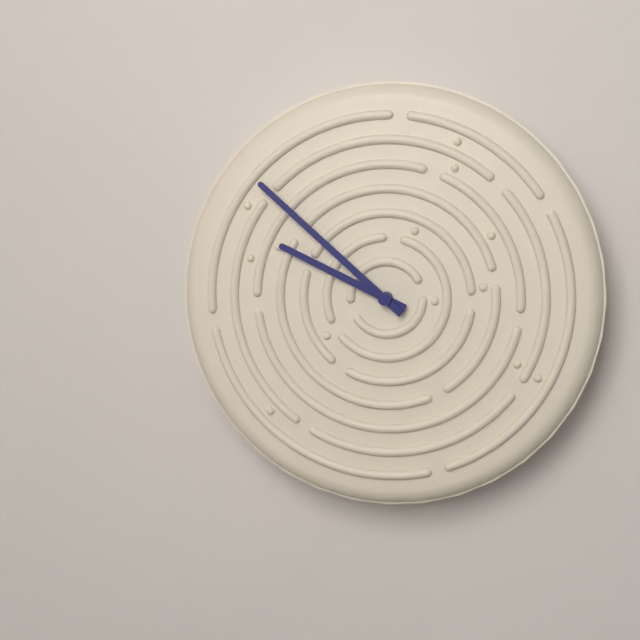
9.52
